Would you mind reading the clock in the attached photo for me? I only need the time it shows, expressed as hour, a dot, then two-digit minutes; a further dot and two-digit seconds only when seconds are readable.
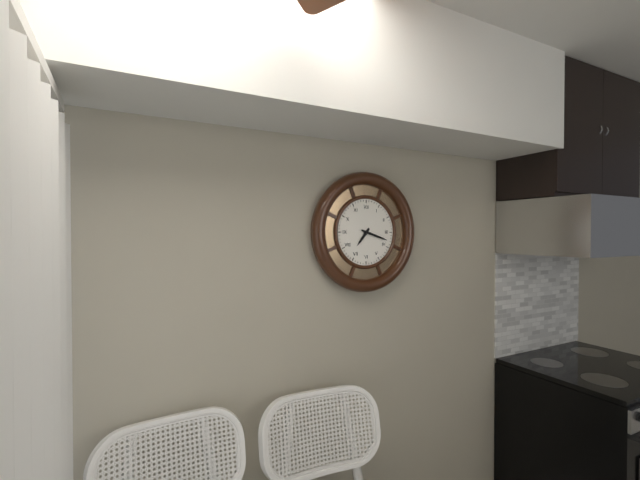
7.18
